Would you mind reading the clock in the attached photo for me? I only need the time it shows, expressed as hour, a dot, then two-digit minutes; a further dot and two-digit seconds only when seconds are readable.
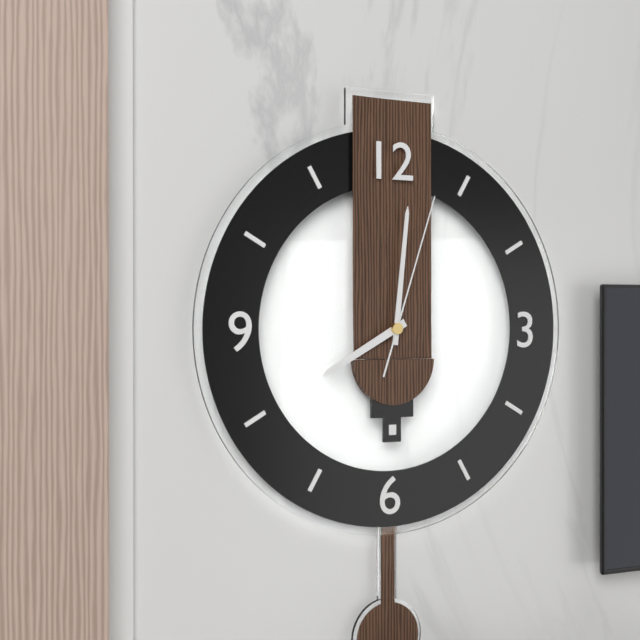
8.01.03
